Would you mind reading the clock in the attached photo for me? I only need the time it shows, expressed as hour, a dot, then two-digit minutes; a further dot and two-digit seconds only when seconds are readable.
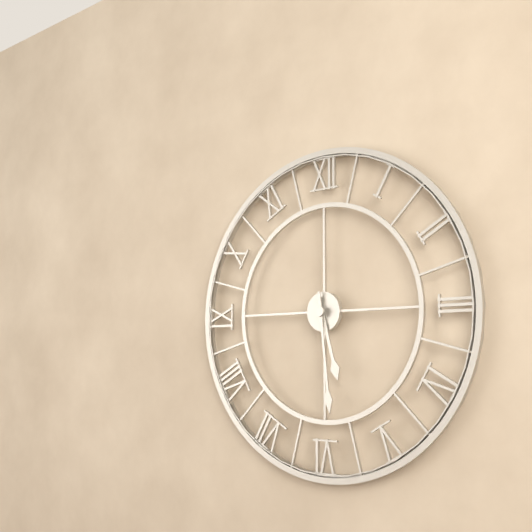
5.29
